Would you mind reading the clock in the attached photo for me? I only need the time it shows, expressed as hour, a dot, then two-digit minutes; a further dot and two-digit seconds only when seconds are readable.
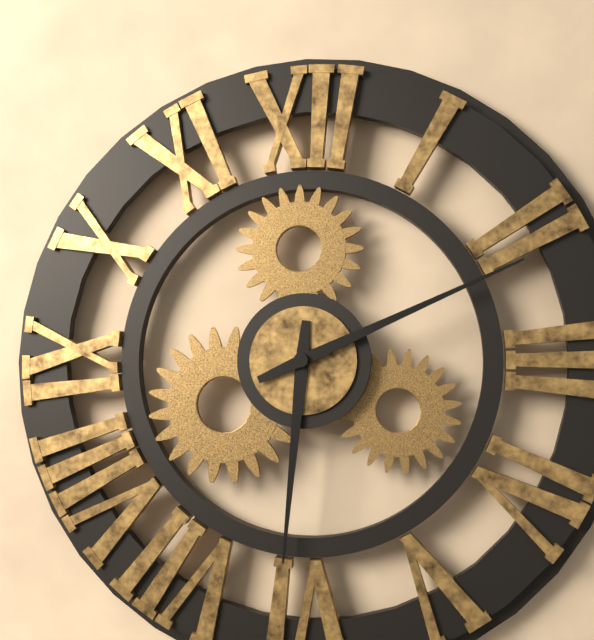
6.11
